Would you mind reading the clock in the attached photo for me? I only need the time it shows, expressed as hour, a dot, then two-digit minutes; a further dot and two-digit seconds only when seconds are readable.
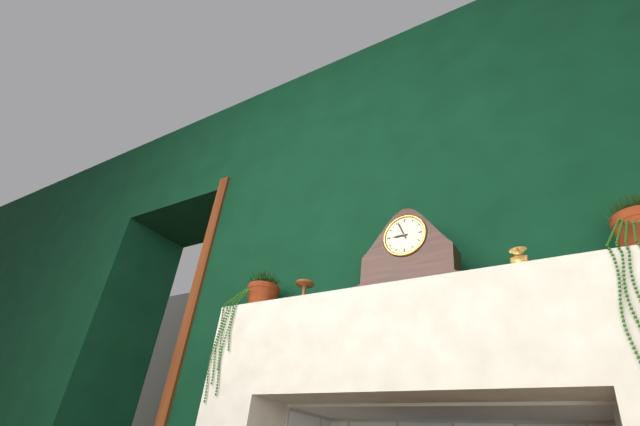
8.56
